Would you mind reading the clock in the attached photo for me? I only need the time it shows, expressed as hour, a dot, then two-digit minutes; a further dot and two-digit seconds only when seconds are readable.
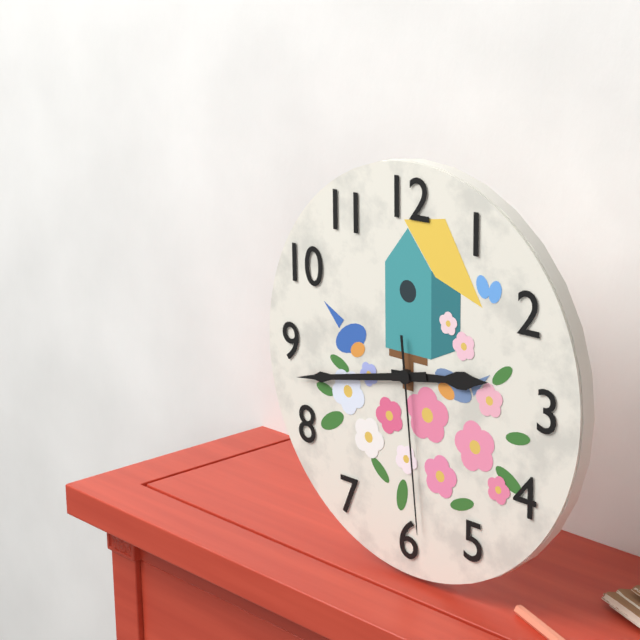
2.43.29
